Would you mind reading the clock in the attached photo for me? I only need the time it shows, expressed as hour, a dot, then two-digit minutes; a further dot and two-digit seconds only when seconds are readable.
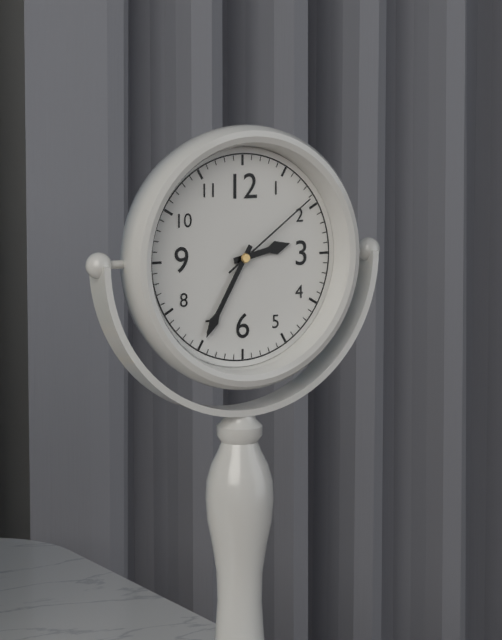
2.35.09
